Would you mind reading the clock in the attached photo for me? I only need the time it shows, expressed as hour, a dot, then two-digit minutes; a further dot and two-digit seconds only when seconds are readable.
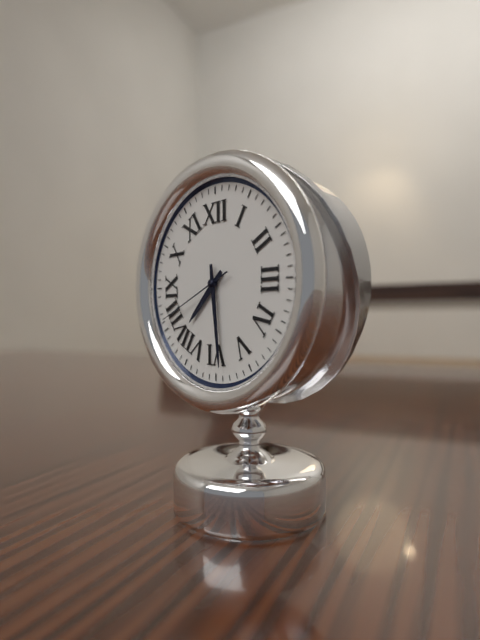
7.29.41
